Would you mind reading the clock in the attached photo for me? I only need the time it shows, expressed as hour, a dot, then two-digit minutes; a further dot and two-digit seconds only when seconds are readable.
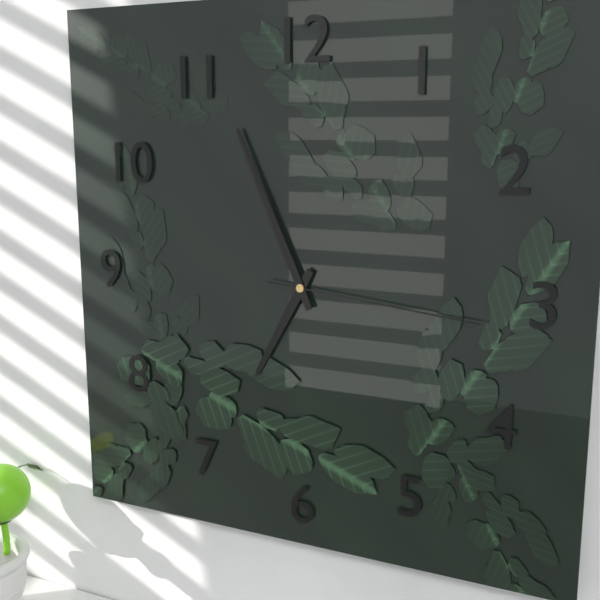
6.56.16
